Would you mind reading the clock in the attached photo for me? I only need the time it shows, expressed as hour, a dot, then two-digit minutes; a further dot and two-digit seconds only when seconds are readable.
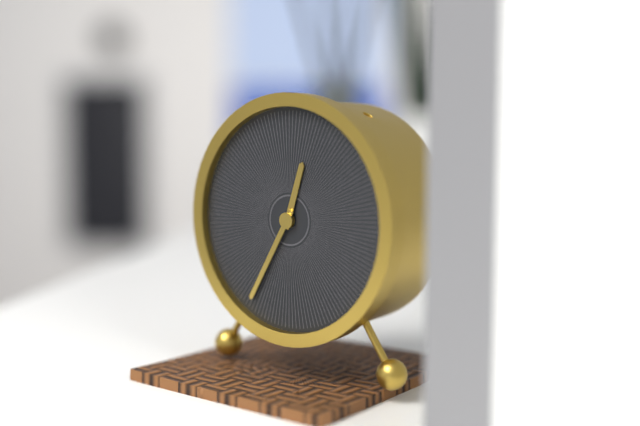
12.35
